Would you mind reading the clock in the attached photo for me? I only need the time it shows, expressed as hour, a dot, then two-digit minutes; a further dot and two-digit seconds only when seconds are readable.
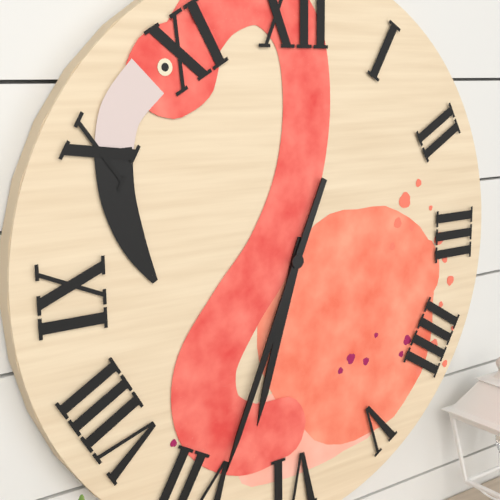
6.34
